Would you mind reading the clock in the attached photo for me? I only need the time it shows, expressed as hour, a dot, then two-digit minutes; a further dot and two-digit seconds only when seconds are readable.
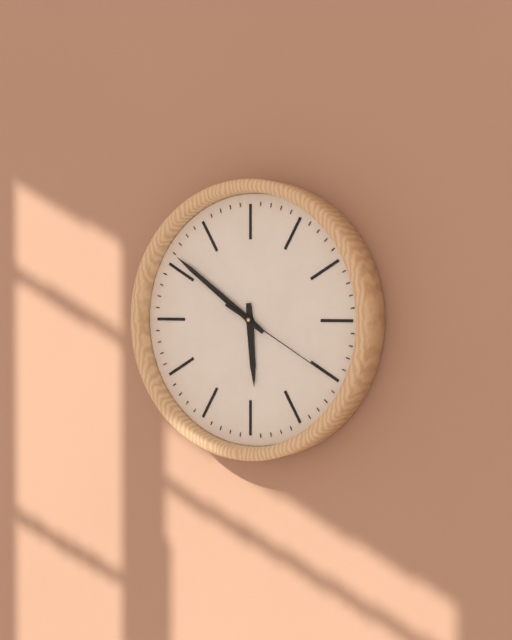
5.51.20
